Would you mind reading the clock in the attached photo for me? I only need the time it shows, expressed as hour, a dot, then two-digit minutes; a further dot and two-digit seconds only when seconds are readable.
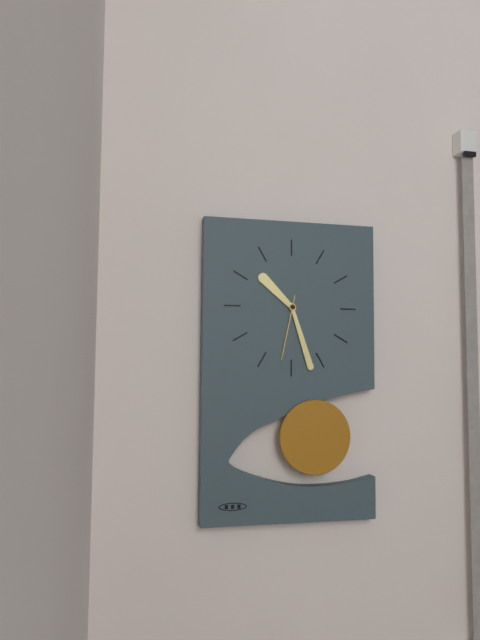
10.27.32
